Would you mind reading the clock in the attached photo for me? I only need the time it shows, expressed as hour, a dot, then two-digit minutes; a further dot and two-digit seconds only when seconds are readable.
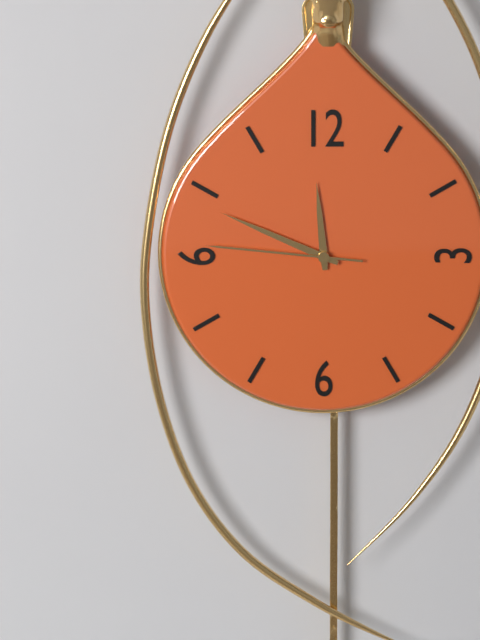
11.49.46
